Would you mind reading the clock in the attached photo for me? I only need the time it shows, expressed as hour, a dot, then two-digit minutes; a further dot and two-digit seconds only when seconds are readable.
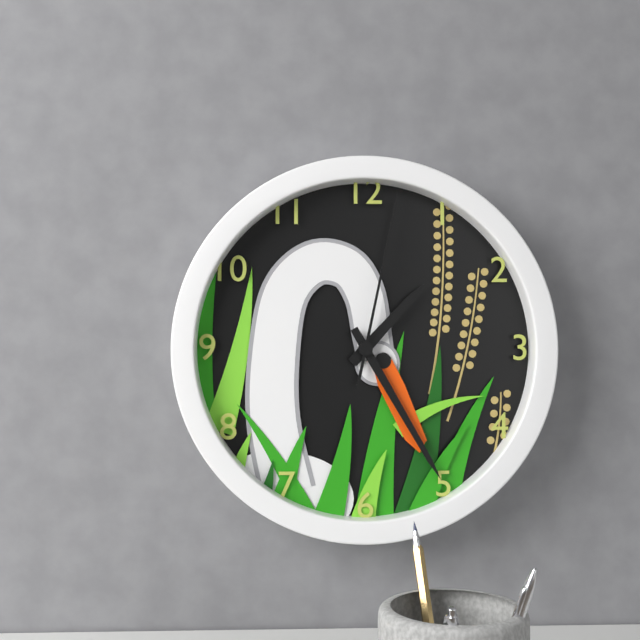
1.25.02
